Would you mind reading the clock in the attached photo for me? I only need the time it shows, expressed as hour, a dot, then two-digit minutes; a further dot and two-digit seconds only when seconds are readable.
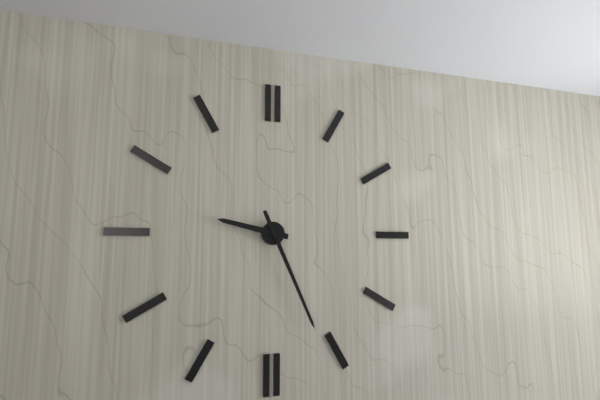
9.26
